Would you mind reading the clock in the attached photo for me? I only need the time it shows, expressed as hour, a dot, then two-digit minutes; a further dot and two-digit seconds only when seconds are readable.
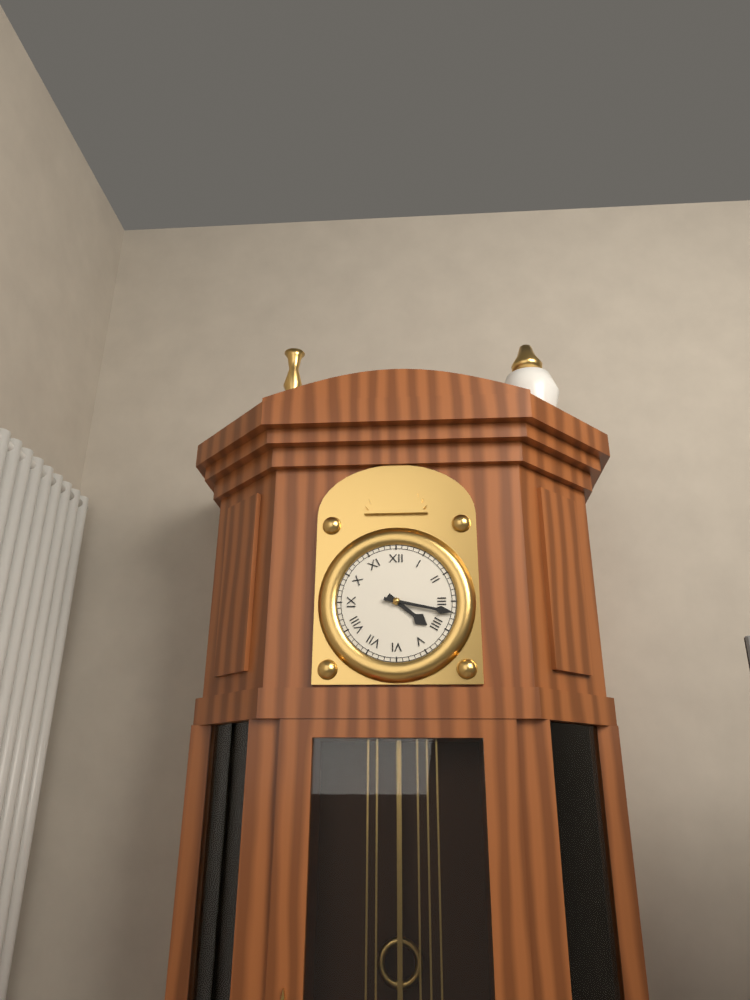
4.17
